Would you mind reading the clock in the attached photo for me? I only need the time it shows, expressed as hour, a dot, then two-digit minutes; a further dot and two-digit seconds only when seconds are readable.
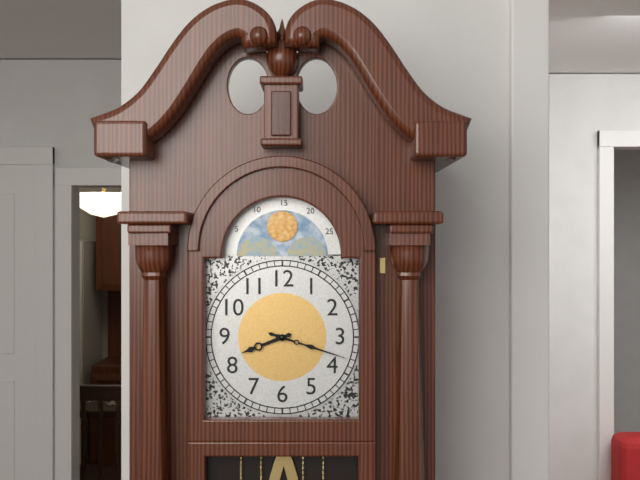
8.18
